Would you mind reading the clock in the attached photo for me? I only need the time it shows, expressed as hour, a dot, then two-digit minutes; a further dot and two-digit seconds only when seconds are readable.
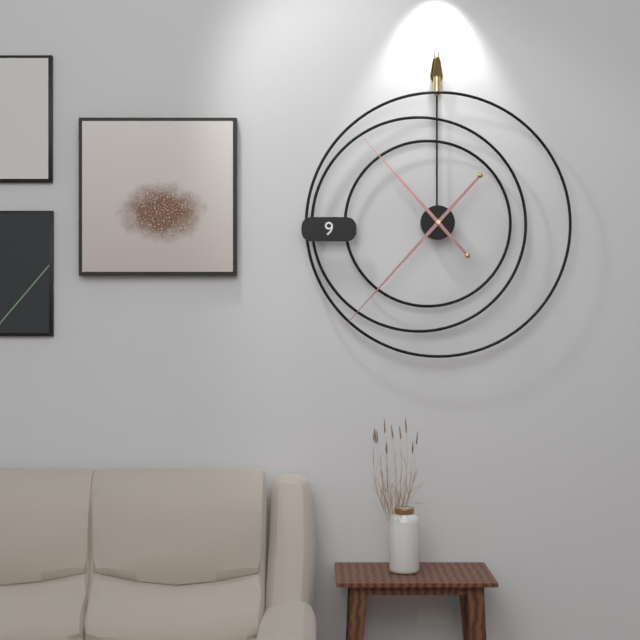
10.37
